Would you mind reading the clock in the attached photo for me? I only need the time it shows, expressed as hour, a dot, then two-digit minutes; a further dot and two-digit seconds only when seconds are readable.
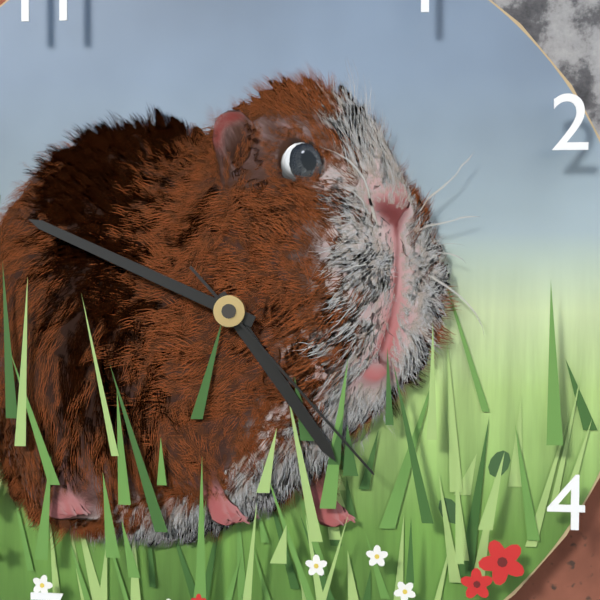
4.49.23
